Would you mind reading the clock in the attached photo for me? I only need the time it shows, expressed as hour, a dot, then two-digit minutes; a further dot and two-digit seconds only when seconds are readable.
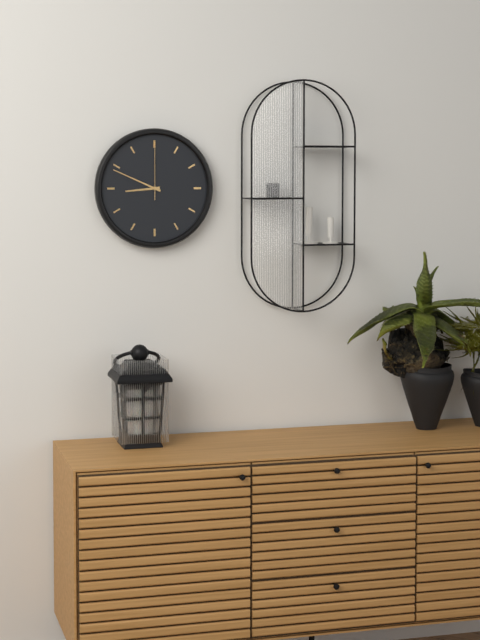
8.49.00
